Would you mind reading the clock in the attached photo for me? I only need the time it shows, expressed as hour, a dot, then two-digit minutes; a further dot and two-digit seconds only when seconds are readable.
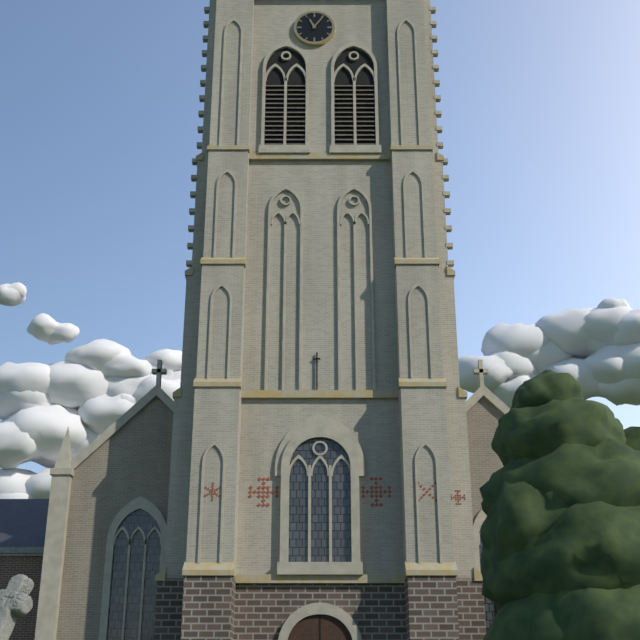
11.06
